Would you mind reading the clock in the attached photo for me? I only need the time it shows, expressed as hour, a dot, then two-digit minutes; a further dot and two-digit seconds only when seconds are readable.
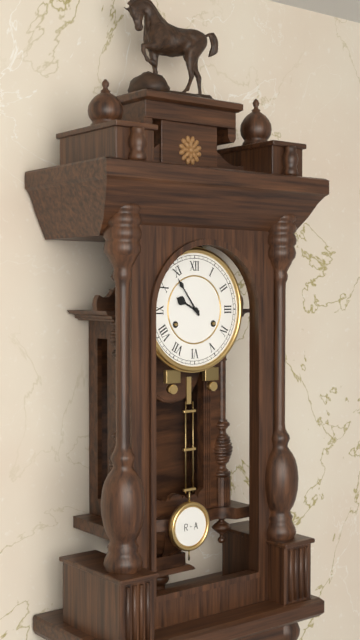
9.54
